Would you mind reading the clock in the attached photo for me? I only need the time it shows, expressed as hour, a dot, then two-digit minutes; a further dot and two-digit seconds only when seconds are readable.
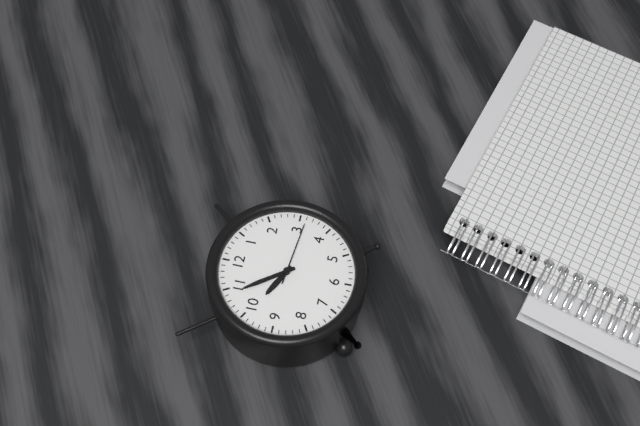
9.54.16
